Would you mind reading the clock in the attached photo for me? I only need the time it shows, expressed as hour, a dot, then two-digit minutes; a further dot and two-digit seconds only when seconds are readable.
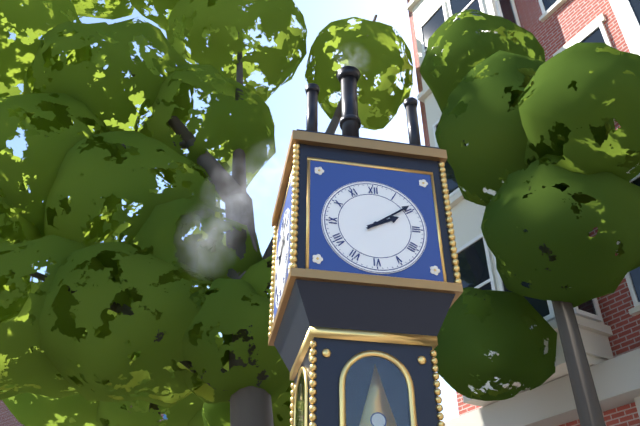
2.09
